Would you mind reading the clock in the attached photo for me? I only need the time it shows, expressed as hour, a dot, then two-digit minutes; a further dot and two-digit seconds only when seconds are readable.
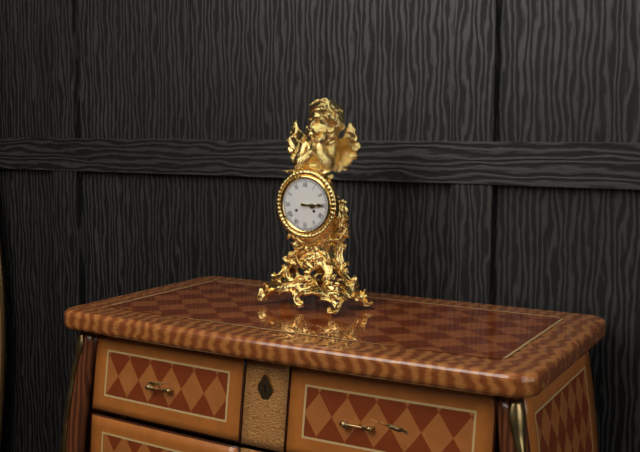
3.15
